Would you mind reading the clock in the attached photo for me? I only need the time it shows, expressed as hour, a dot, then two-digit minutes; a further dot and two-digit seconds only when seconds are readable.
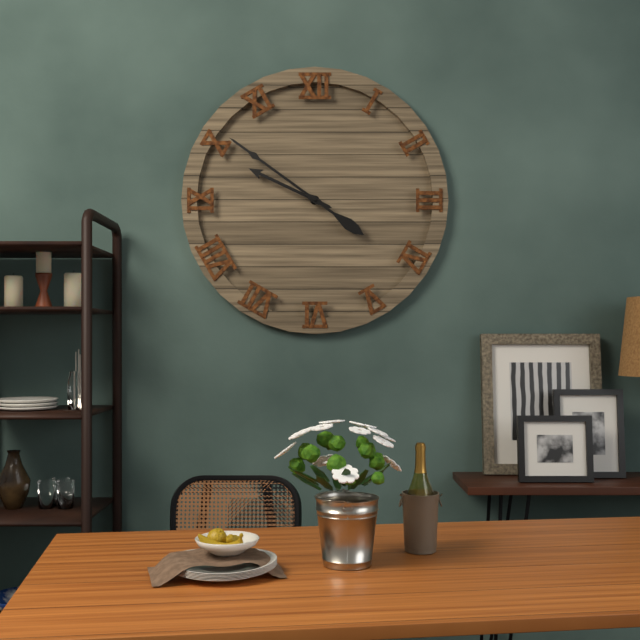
9.51
